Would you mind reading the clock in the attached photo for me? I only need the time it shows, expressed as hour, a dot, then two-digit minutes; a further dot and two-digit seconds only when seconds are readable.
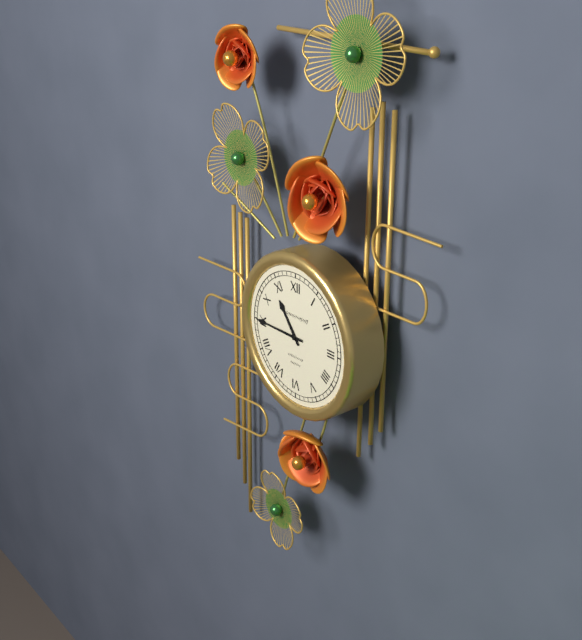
10.45
